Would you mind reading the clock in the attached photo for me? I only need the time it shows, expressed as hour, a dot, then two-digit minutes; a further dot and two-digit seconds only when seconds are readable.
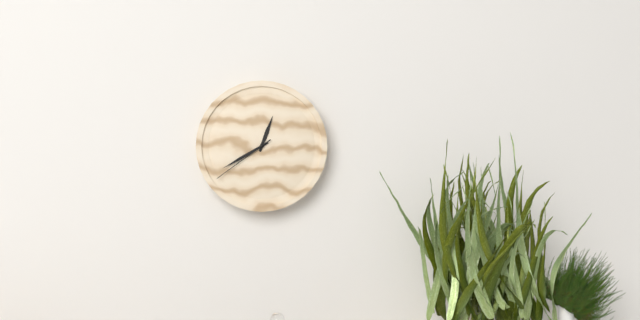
12.40.39
